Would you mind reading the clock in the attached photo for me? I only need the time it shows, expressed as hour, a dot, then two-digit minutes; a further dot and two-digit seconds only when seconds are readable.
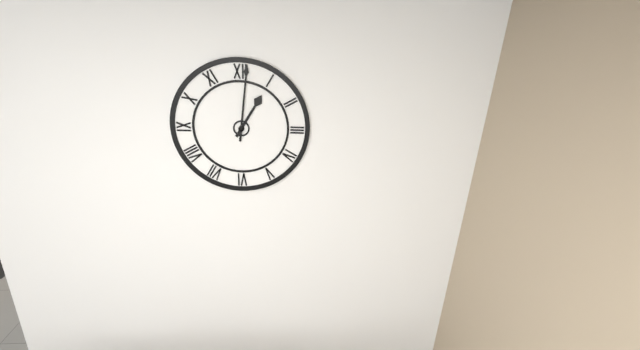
1.01
